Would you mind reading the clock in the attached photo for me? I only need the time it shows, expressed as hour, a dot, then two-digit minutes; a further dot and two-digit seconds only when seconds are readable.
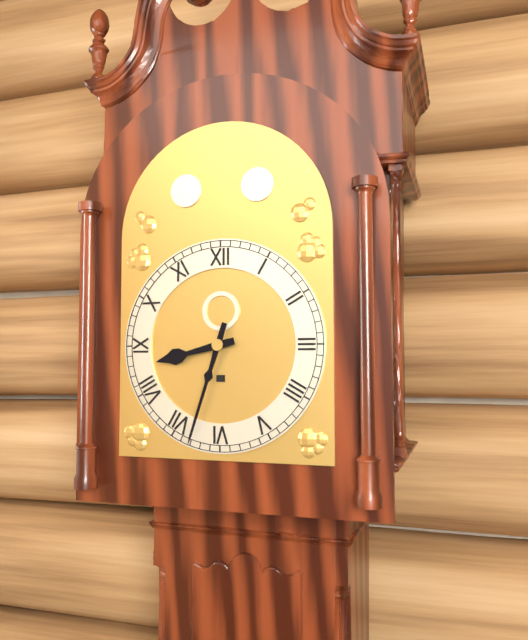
8.33
